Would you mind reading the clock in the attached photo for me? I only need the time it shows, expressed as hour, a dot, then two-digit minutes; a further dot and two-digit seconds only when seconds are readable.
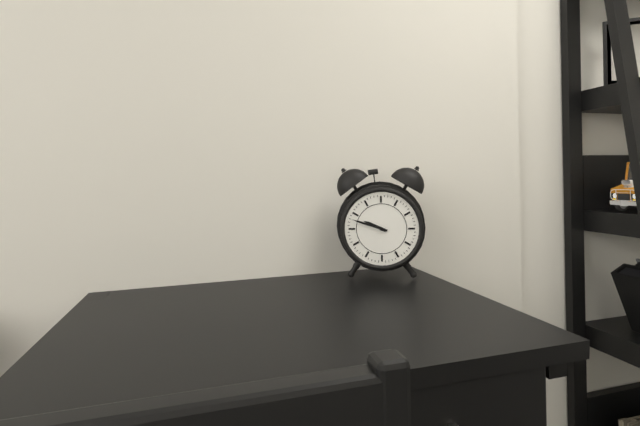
9.48
